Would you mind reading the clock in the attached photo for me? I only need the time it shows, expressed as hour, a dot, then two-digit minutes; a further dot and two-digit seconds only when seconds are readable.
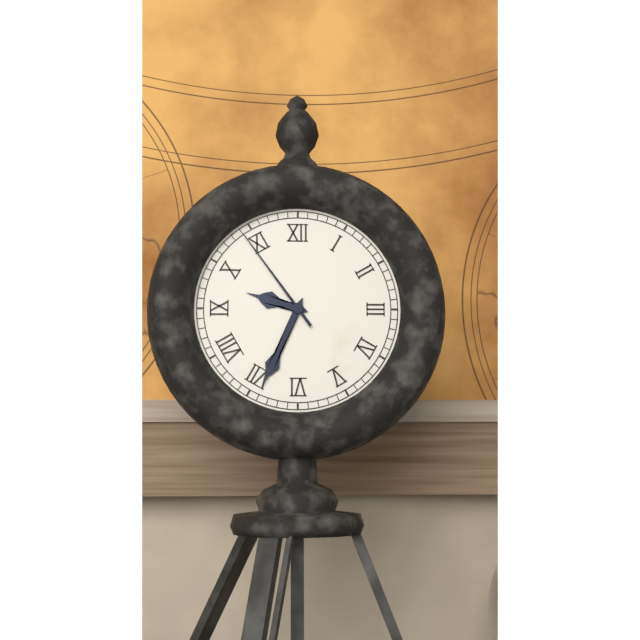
9.34.54
